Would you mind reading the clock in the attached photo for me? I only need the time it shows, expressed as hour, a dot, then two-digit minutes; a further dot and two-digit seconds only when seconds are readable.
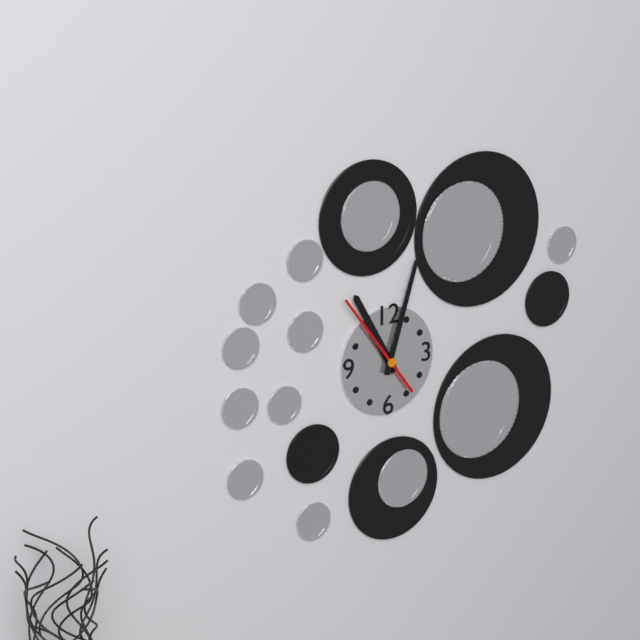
11.03.54
